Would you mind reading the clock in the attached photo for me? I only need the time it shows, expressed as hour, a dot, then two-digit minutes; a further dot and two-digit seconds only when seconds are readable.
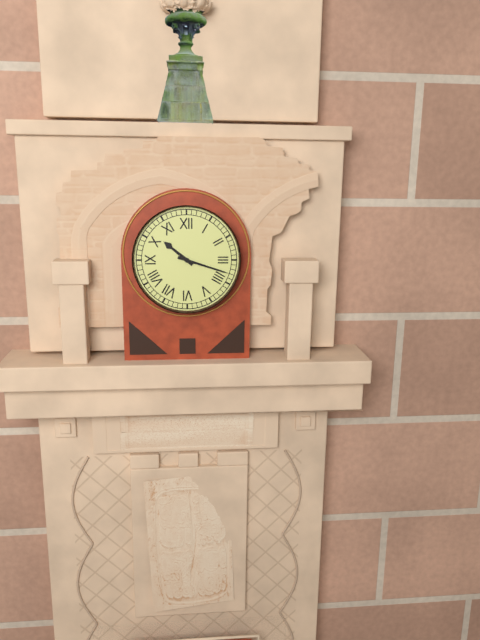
10.18
